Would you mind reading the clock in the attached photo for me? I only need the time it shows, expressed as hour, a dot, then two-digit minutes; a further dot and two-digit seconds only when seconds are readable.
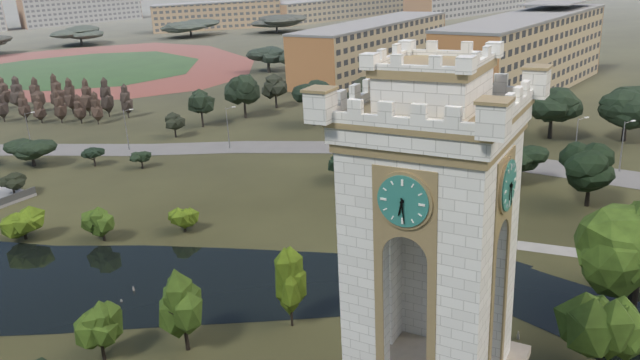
6.29
